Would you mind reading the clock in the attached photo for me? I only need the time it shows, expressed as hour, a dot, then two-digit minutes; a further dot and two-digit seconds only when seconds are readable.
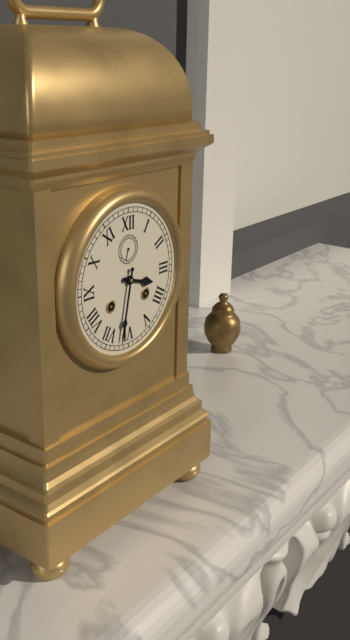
3.32
